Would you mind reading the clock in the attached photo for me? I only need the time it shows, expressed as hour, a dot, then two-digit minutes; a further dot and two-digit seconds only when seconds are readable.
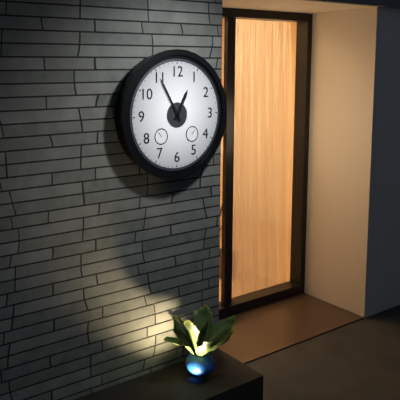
12.55
